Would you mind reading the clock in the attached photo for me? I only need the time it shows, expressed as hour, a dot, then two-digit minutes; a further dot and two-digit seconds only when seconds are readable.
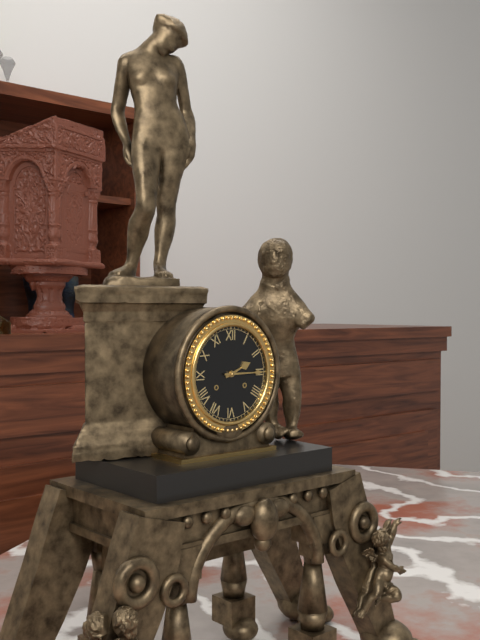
2.15
